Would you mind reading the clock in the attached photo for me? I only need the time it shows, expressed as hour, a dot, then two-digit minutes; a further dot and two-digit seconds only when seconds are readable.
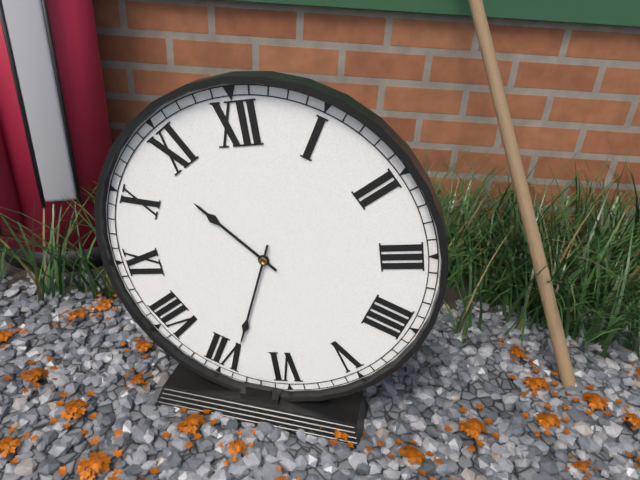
10.34
